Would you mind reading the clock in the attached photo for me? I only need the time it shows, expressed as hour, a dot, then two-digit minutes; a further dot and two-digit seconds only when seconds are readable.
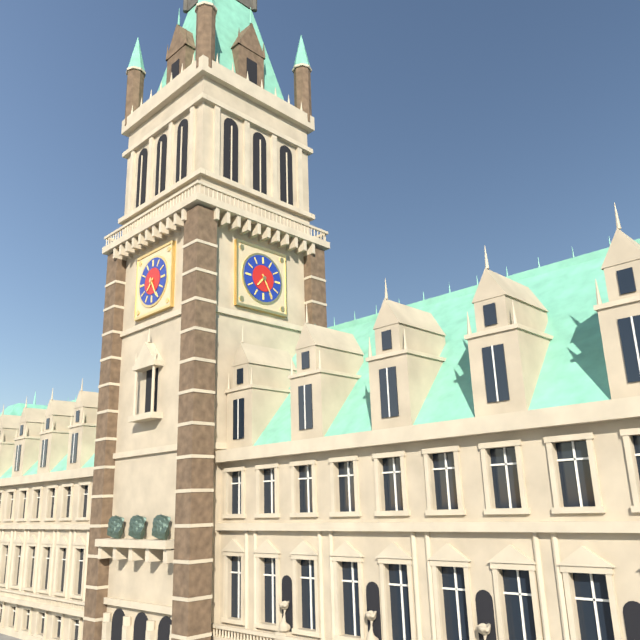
7.25
